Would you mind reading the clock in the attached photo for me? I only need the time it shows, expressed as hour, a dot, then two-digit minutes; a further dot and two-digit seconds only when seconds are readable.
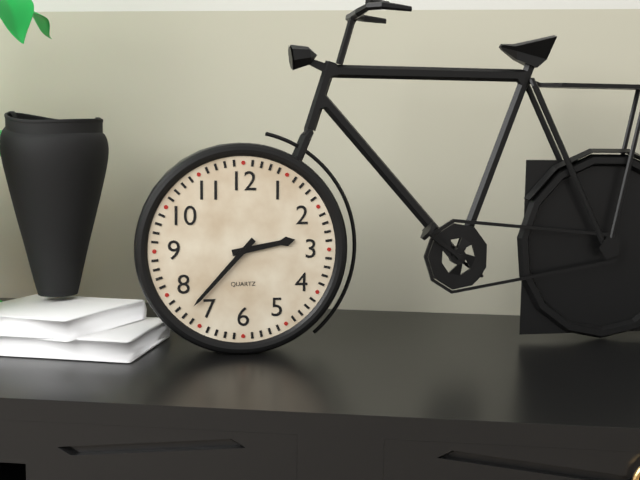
2.37
